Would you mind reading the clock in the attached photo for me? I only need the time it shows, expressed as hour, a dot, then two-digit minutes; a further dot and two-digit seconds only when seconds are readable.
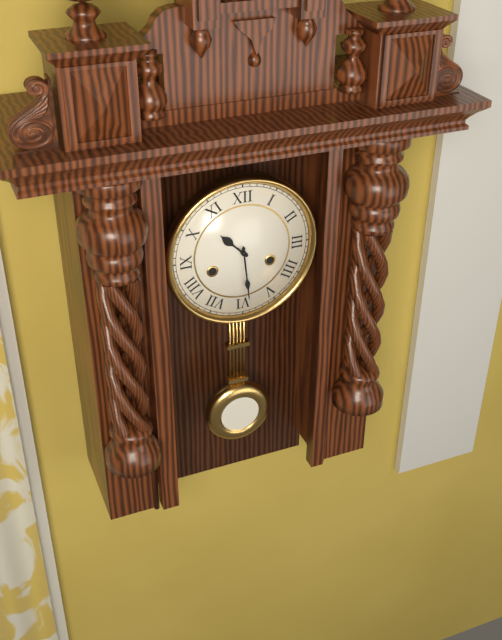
10.29
